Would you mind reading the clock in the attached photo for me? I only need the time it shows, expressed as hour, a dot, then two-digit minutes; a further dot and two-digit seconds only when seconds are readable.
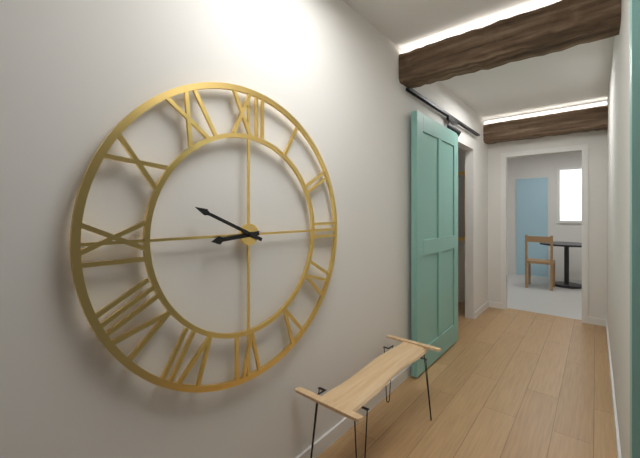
8.49
